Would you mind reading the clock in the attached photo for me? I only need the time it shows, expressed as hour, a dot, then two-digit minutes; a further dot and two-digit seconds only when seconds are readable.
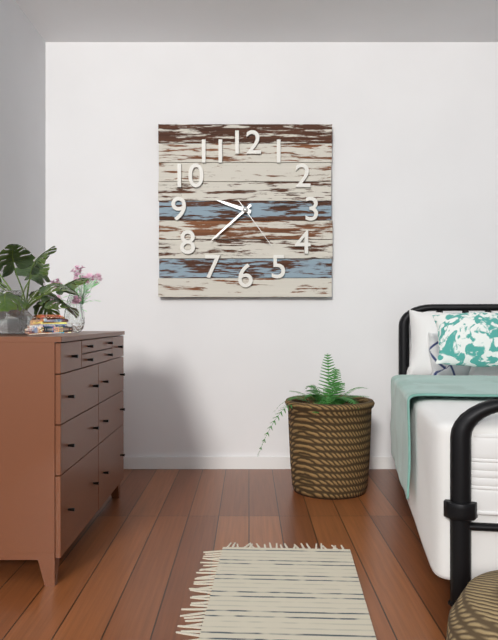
9.38.24
